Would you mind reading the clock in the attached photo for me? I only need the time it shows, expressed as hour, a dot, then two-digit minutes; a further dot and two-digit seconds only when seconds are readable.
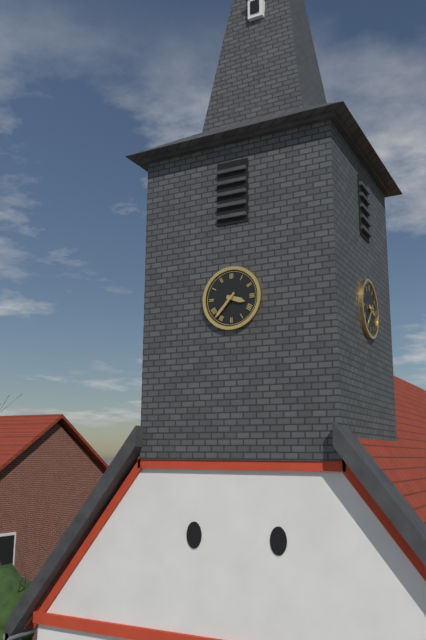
3.37
